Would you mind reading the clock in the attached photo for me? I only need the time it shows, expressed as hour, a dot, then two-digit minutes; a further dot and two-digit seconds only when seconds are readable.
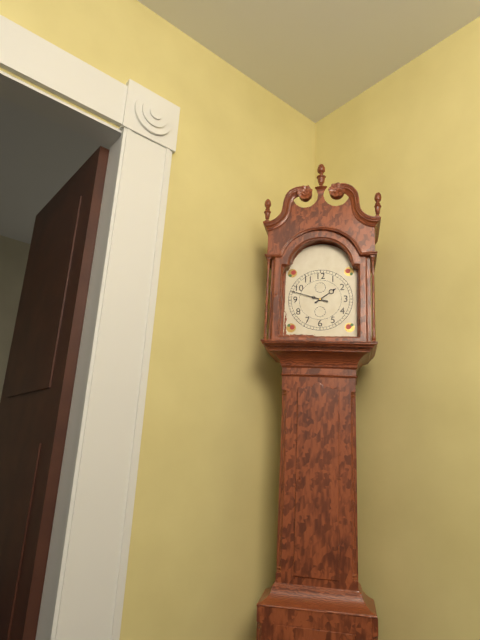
1.48
